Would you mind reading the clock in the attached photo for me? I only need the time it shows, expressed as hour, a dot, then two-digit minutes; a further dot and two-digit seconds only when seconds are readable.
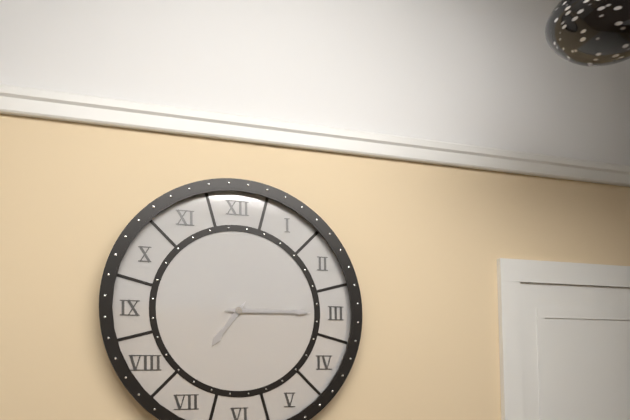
7.15
